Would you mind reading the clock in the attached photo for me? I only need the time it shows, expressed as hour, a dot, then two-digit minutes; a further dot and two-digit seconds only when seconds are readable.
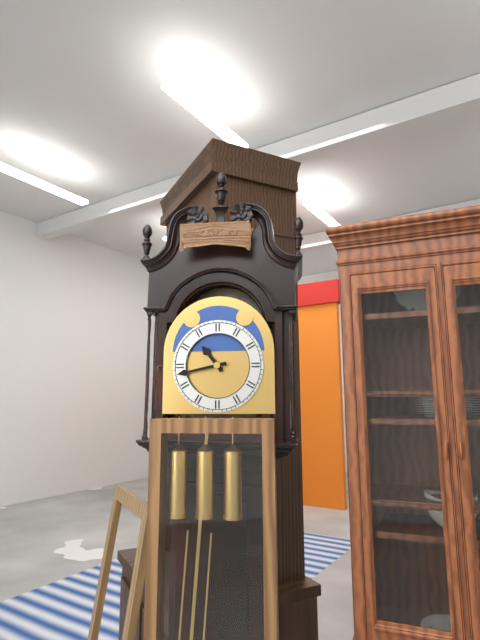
10.43
